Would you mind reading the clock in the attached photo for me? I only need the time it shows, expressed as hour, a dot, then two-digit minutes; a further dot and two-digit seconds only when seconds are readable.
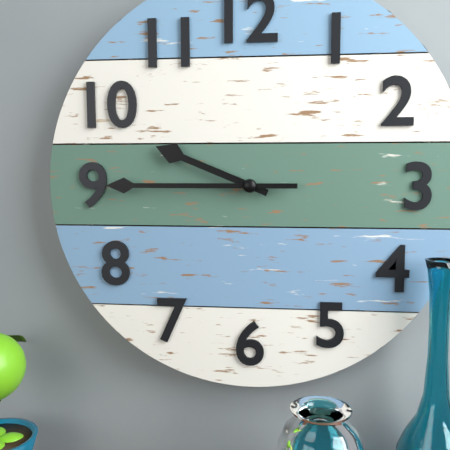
9.45
